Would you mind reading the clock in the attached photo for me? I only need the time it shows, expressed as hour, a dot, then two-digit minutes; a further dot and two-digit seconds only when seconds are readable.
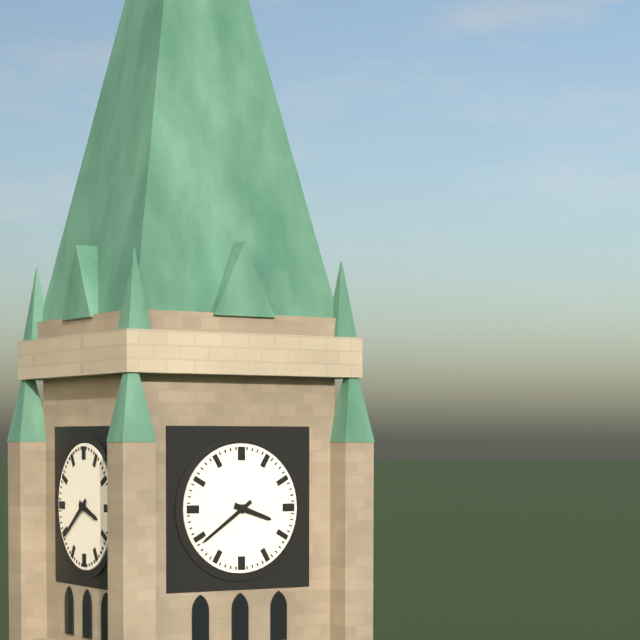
3.39
